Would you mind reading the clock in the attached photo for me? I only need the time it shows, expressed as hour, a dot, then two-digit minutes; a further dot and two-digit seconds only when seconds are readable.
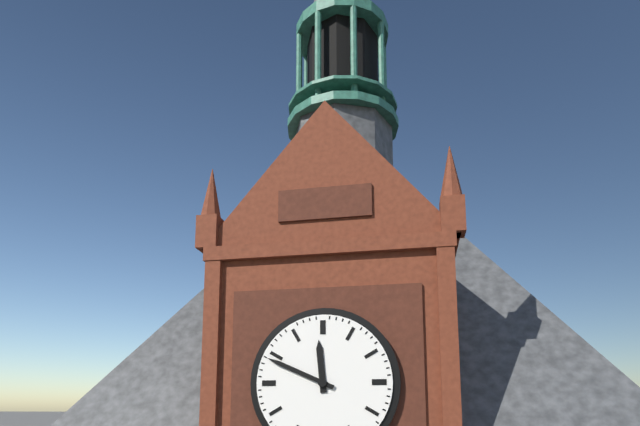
11.49
